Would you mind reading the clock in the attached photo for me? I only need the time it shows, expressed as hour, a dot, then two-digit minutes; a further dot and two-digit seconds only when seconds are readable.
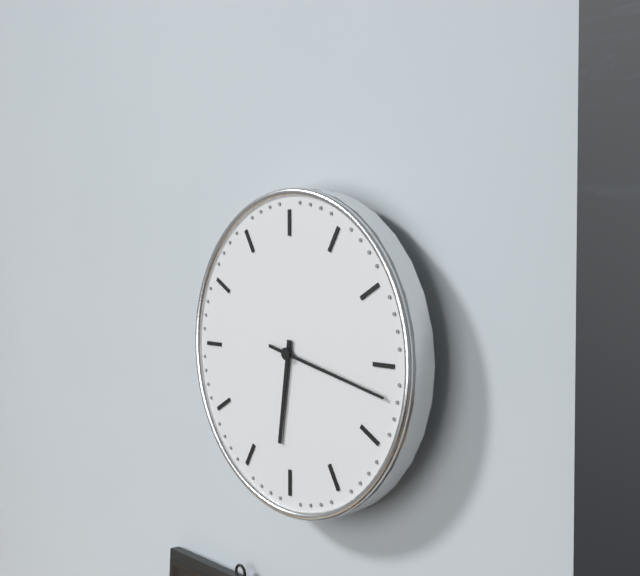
6.17
